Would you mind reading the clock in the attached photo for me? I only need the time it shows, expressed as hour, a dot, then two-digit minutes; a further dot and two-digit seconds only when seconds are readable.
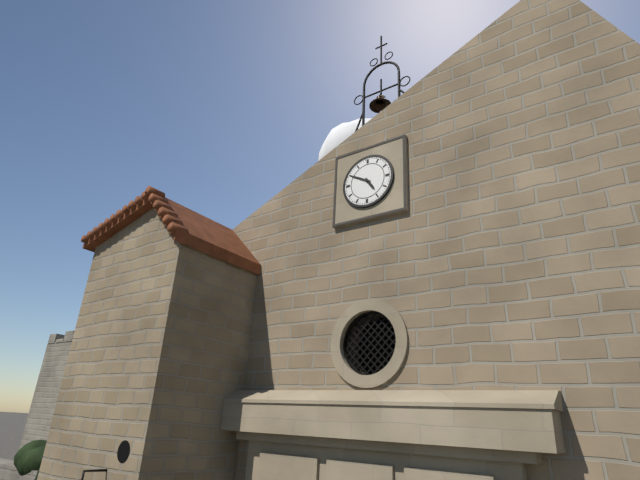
4.50
